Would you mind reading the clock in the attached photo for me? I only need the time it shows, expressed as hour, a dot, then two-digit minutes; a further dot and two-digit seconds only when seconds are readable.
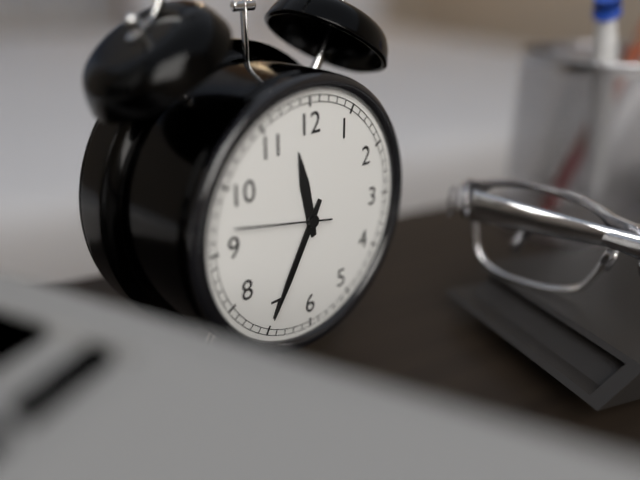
11.35.47
